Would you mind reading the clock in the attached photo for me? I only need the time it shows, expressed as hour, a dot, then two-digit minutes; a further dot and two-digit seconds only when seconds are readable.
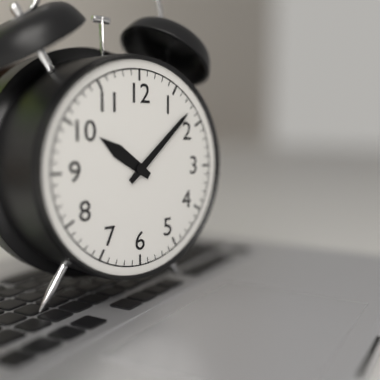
10.08
